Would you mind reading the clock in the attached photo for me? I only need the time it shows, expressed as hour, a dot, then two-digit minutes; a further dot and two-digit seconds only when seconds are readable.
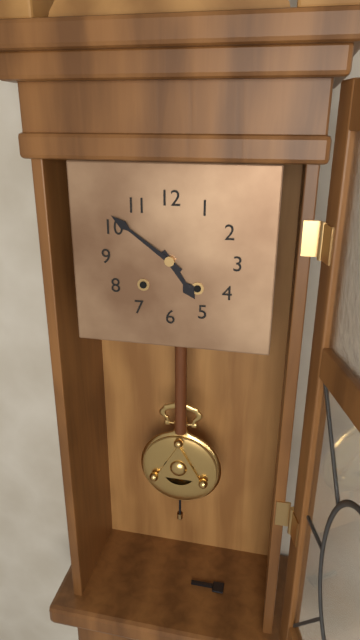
4.51
